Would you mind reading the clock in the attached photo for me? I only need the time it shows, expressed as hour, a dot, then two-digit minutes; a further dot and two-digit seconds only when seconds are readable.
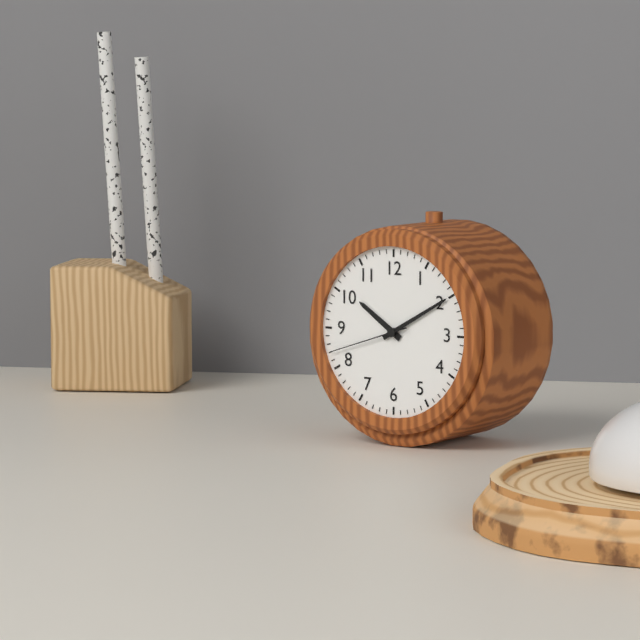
10.10.42
